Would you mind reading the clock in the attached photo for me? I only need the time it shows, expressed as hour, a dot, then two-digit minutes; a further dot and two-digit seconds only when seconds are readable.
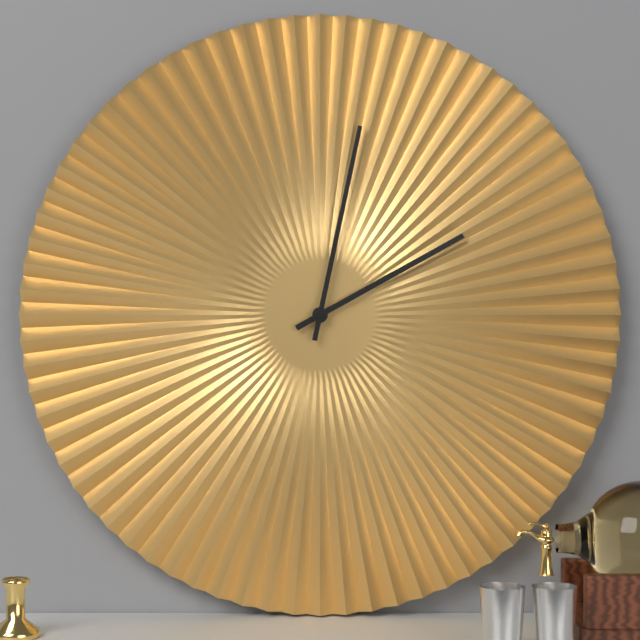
2.02
